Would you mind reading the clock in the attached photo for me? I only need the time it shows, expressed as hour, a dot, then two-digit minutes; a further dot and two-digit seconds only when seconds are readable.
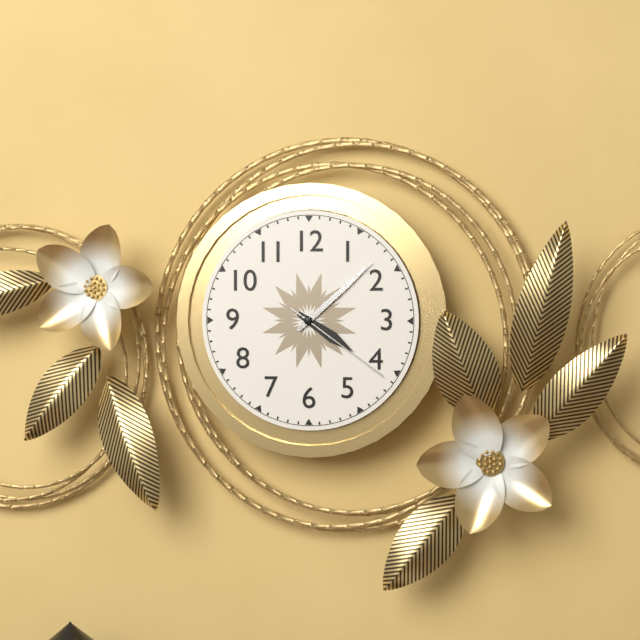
4.08.21
